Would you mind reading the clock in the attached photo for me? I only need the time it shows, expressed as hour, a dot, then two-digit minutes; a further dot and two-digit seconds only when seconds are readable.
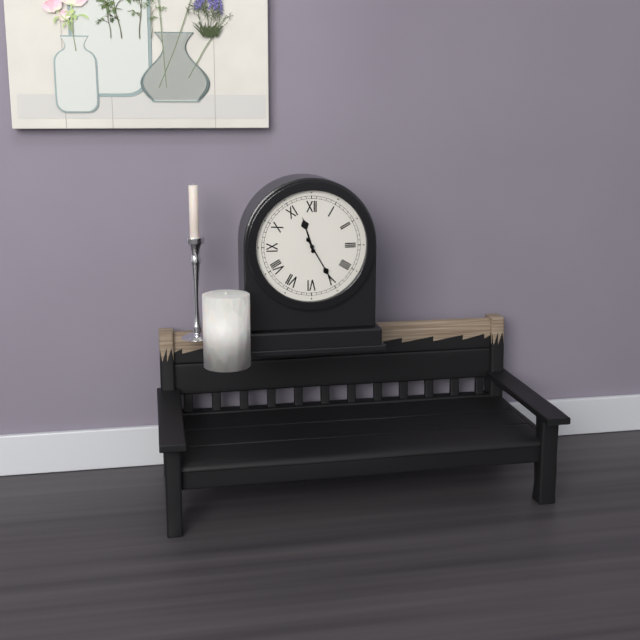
11.25
